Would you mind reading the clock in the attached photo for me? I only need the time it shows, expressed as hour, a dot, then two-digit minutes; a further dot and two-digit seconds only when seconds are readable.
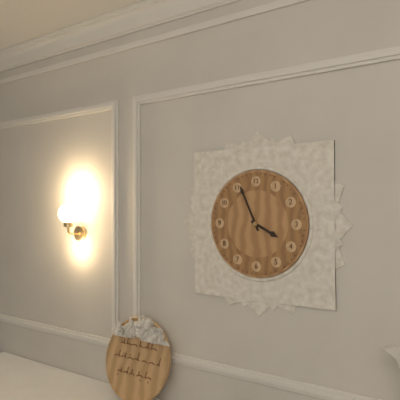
3.56
